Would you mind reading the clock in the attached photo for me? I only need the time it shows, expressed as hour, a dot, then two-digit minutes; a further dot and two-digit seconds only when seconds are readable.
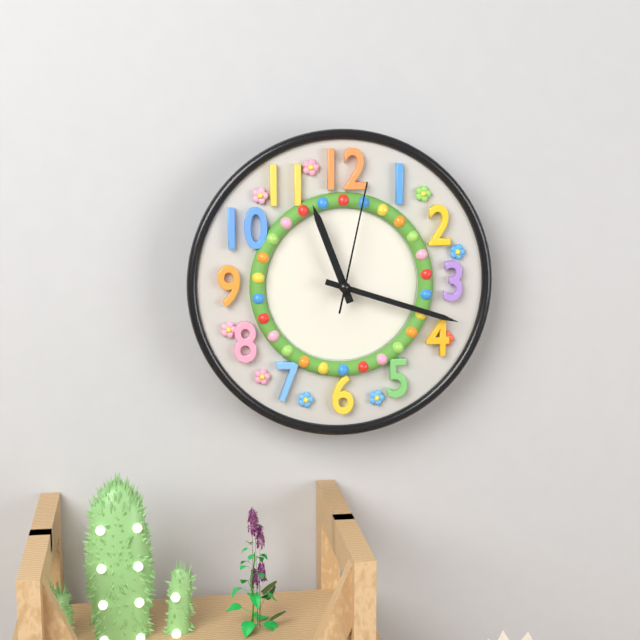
11.18.02
